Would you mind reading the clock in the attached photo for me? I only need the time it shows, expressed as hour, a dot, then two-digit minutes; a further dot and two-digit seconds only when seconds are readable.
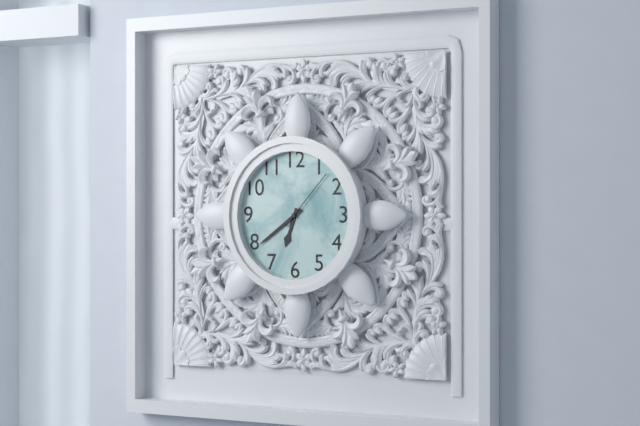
6.39.07
